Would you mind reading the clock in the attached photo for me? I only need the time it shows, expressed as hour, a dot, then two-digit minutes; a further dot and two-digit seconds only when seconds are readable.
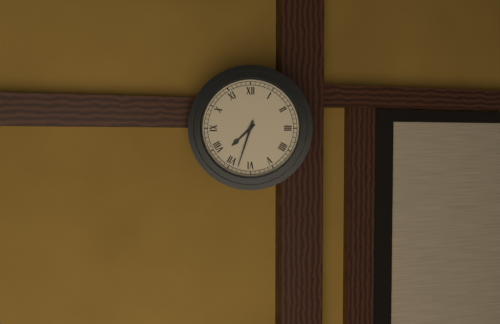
7.33
